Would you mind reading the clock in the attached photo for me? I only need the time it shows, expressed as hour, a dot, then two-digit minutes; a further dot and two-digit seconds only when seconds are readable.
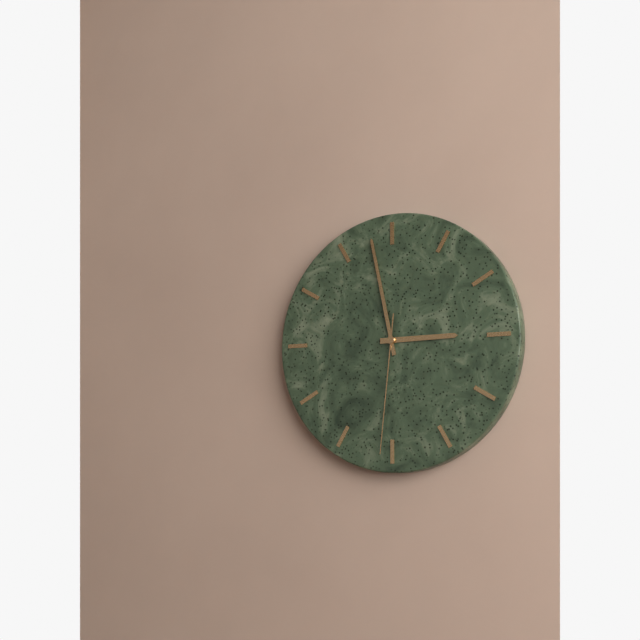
2.58.31
